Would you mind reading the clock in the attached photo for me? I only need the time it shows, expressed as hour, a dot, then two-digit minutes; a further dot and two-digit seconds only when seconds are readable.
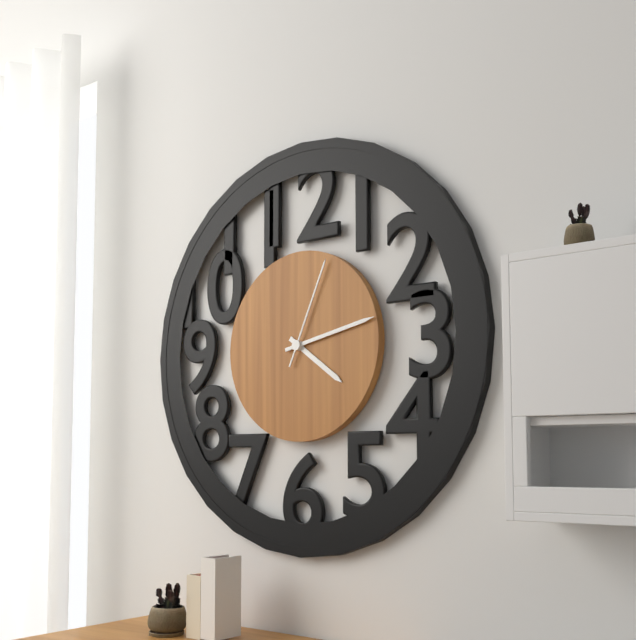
4.13.04
